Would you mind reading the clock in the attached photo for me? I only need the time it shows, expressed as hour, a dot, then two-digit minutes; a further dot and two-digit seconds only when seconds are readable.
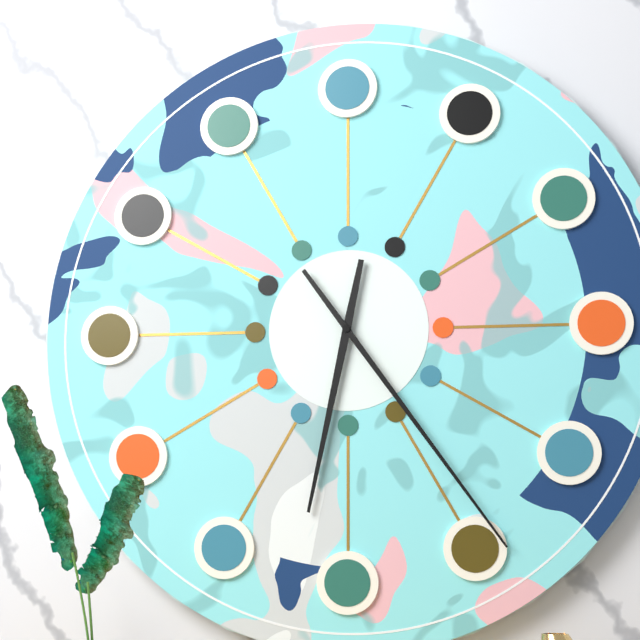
6.24
